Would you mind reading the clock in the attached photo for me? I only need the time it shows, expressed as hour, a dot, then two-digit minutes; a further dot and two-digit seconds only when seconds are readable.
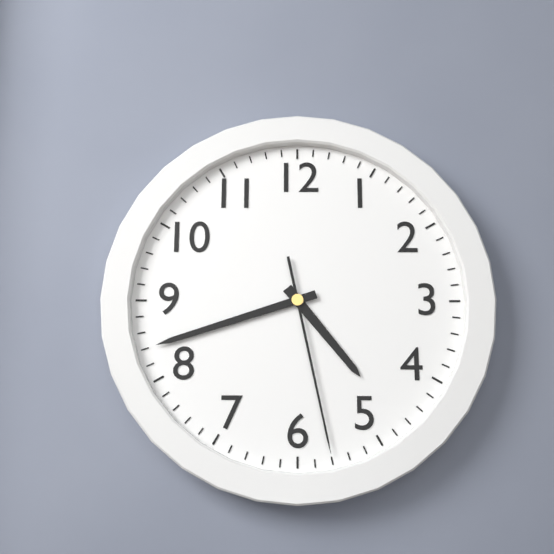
4.42.28
